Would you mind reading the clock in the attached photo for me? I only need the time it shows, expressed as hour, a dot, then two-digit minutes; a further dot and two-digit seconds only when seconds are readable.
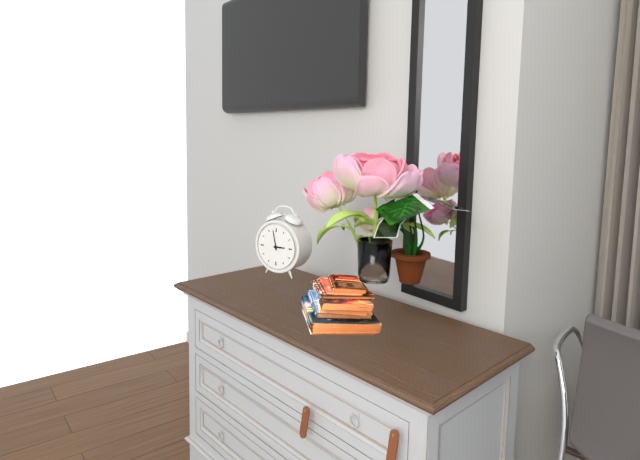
2.58
